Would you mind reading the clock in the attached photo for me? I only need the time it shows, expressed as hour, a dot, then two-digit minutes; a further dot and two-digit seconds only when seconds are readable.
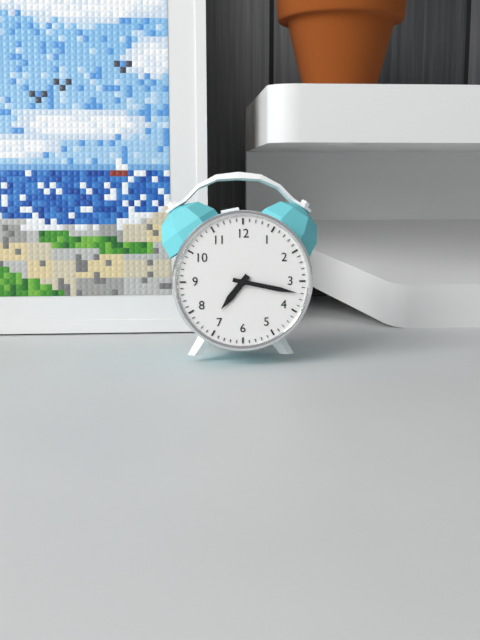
7.17
